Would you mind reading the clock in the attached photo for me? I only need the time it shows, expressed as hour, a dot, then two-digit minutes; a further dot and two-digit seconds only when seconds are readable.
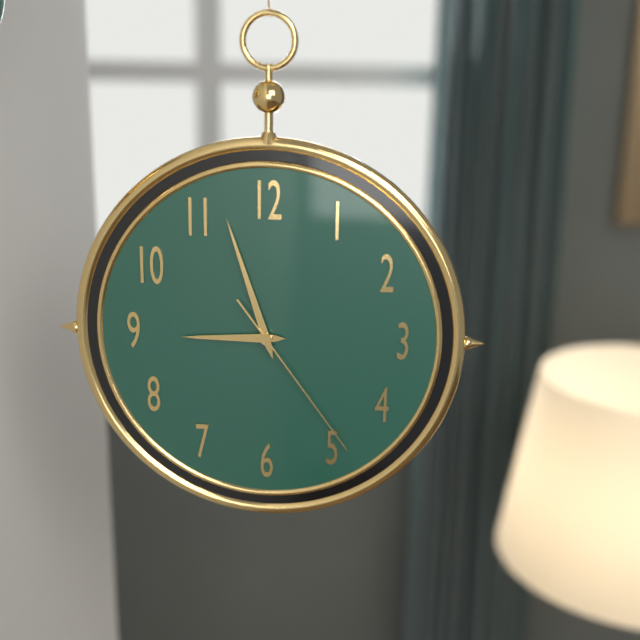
8.57.24
